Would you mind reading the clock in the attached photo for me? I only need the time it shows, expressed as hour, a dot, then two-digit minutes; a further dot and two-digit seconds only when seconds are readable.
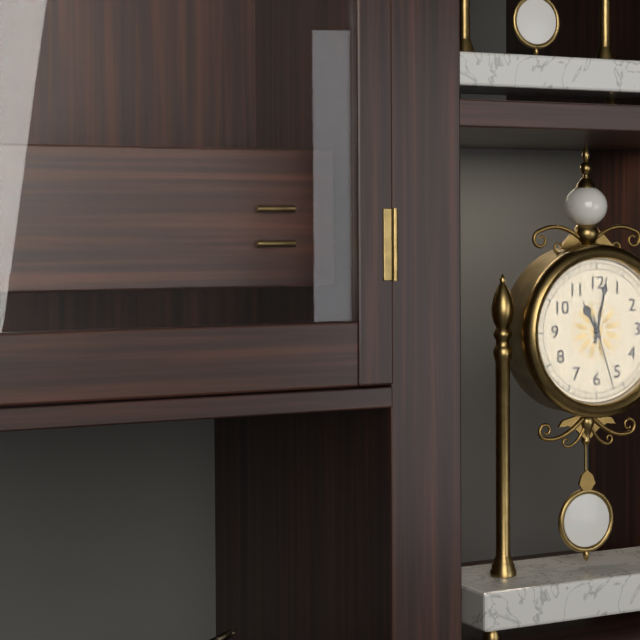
11.02.27
